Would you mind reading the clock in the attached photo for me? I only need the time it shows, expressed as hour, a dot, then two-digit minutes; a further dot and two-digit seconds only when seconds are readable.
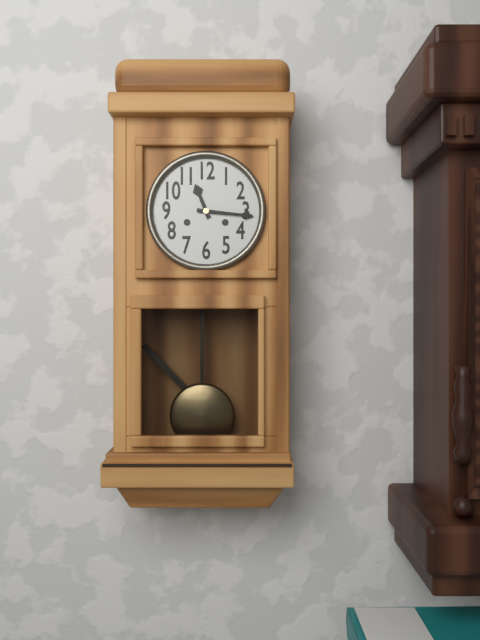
11.16
